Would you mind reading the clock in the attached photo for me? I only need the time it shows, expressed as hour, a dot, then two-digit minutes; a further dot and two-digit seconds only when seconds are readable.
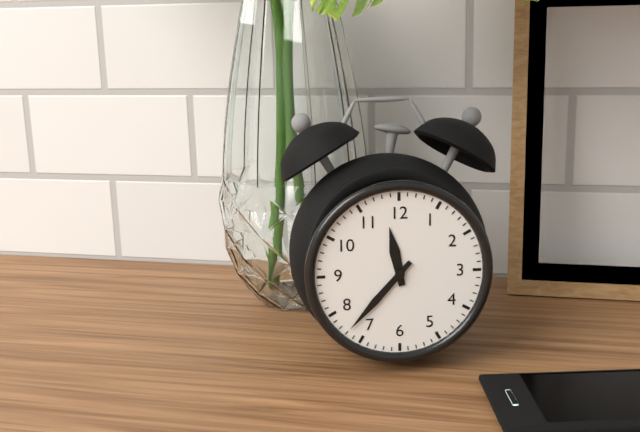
11.37
